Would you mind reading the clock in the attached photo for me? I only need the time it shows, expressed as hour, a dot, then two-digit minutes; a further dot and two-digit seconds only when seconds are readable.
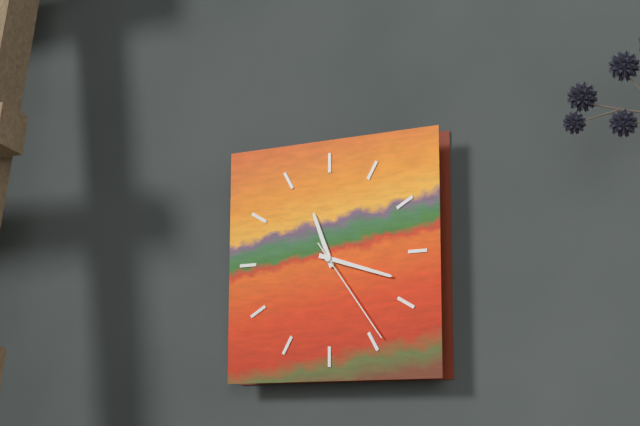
11.18.24
